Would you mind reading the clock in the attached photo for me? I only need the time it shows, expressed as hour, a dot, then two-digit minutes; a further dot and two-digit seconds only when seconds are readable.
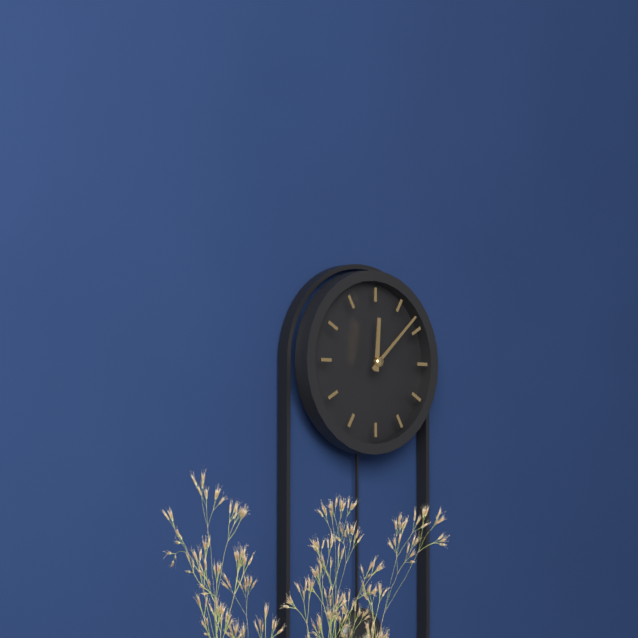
12.08
